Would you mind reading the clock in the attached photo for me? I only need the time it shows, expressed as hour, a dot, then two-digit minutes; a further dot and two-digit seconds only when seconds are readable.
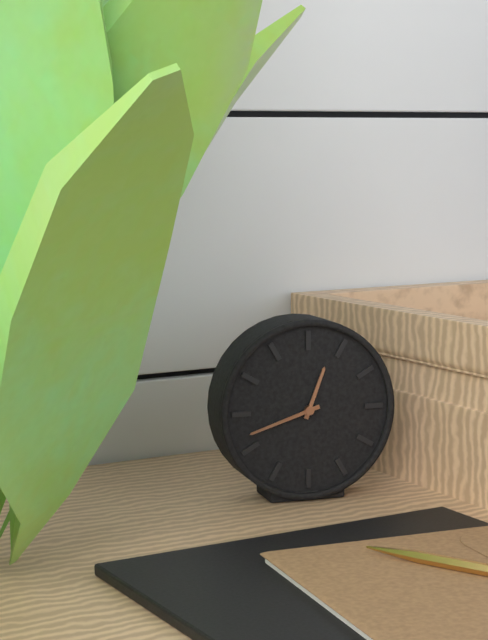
12.42
